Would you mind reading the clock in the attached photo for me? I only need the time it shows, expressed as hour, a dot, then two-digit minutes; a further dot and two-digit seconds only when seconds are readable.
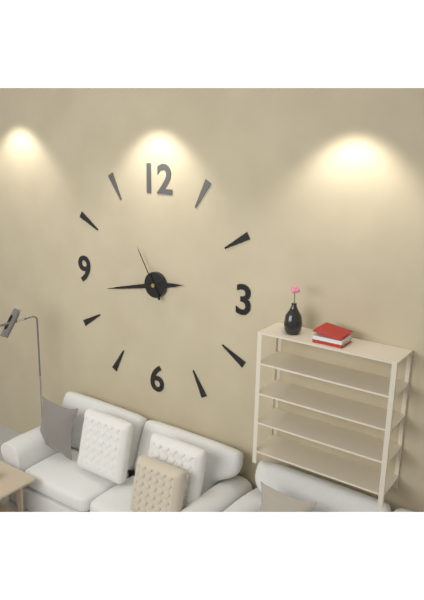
2.43.55
